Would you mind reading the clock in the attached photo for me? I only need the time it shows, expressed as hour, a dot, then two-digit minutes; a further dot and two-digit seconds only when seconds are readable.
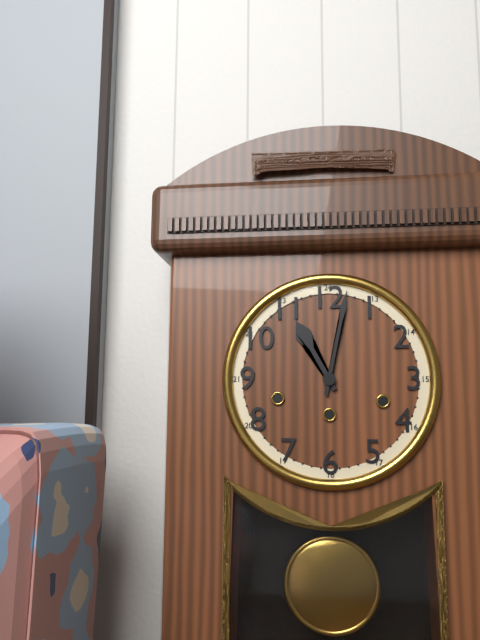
11.02
